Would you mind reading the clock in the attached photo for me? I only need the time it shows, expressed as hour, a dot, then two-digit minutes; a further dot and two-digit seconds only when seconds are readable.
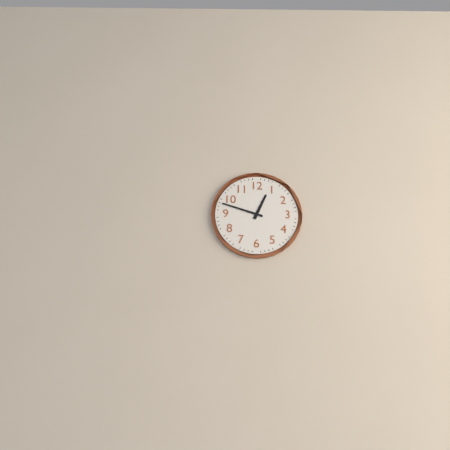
12.48
